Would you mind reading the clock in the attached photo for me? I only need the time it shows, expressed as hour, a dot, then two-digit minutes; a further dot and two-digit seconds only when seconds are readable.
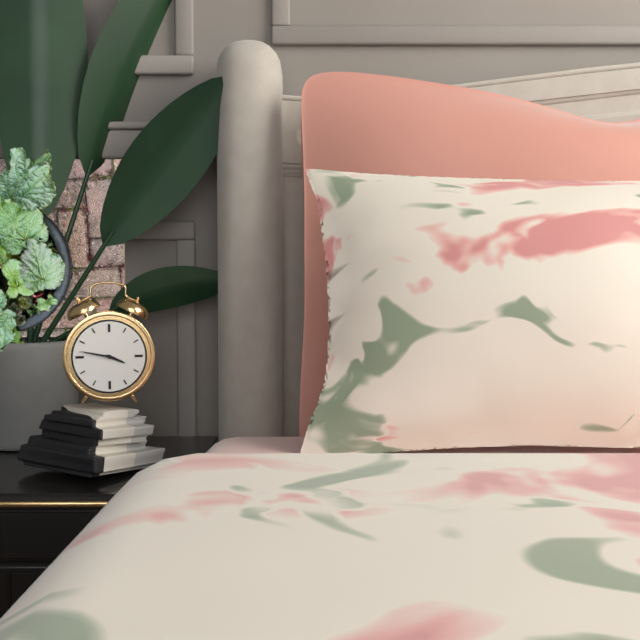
3.47
